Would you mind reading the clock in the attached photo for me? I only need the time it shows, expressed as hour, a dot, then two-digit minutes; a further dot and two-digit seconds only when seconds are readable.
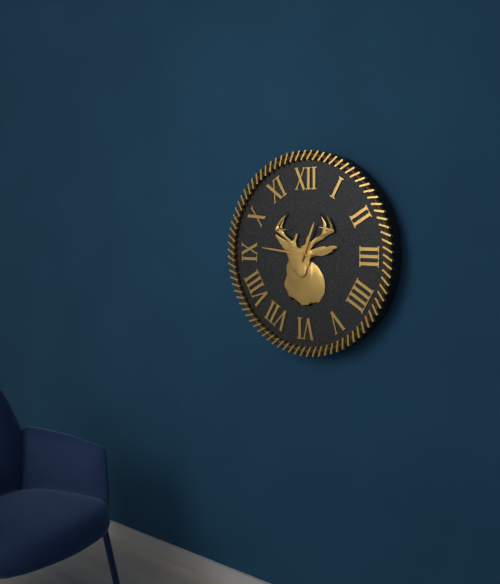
12.46
